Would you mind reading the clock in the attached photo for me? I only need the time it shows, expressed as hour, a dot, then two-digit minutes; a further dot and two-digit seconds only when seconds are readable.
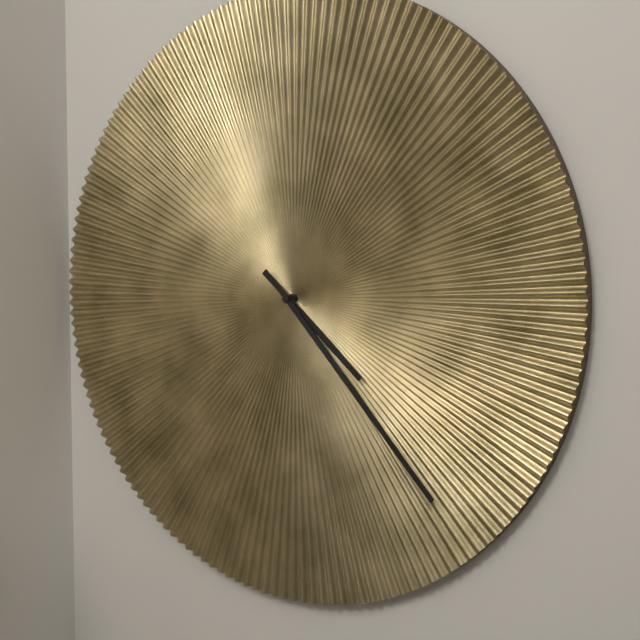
4.23
